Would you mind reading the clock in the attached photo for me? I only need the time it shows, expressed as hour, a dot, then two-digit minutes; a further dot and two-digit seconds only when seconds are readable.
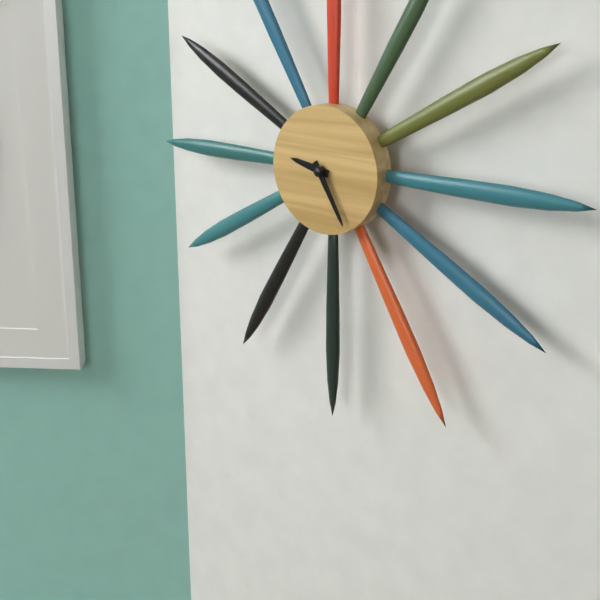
9.25
